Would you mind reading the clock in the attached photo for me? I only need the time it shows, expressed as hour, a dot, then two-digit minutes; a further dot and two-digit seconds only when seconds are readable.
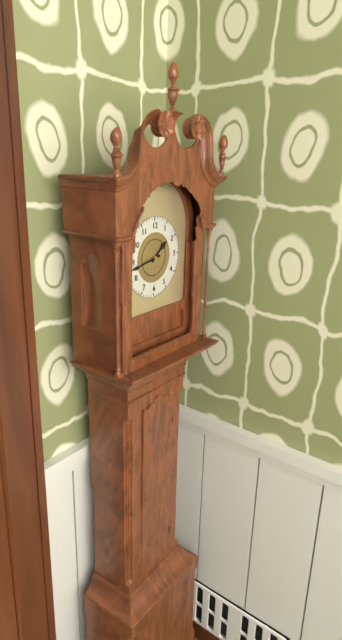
1.43
